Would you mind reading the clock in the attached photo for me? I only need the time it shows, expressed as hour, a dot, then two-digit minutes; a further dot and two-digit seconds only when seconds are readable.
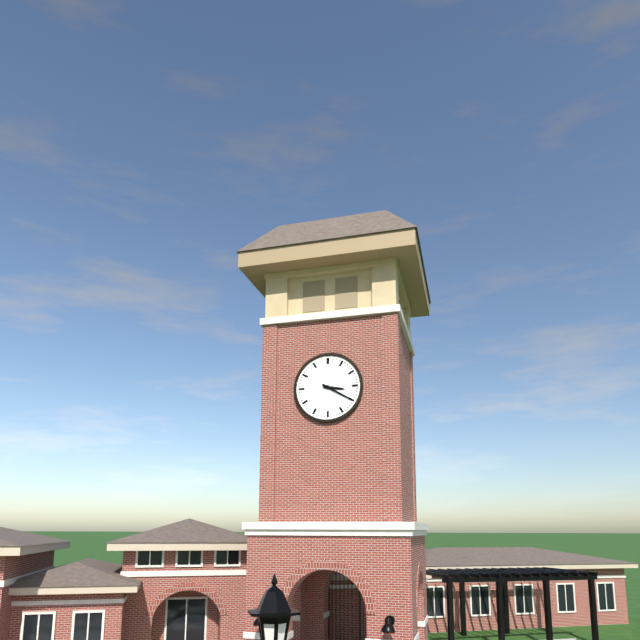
3.20
